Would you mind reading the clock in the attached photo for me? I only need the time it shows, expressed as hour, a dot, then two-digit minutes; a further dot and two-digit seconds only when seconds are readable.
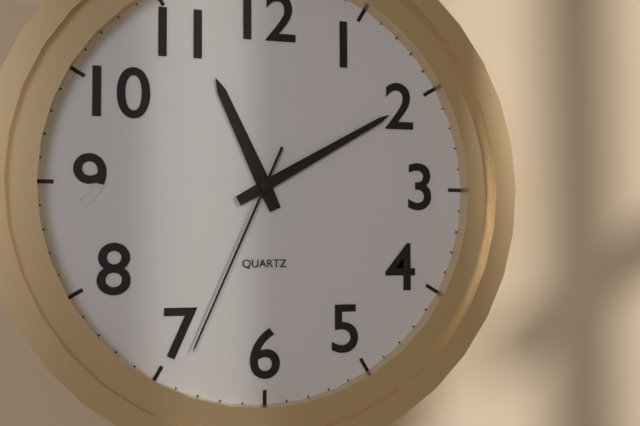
11.10.34
